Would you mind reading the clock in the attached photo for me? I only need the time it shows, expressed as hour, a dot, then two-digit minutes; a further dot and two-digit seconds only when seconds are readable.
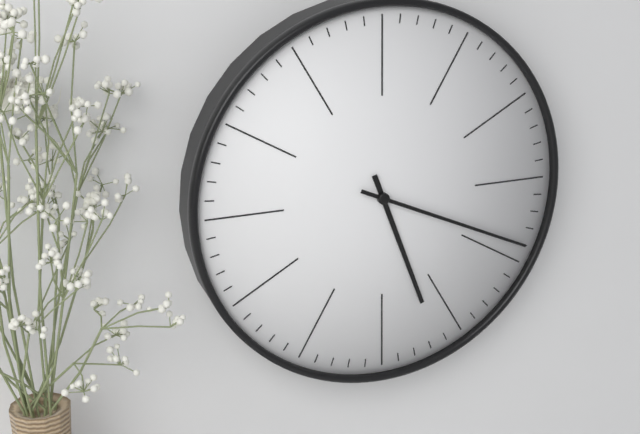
5.19
